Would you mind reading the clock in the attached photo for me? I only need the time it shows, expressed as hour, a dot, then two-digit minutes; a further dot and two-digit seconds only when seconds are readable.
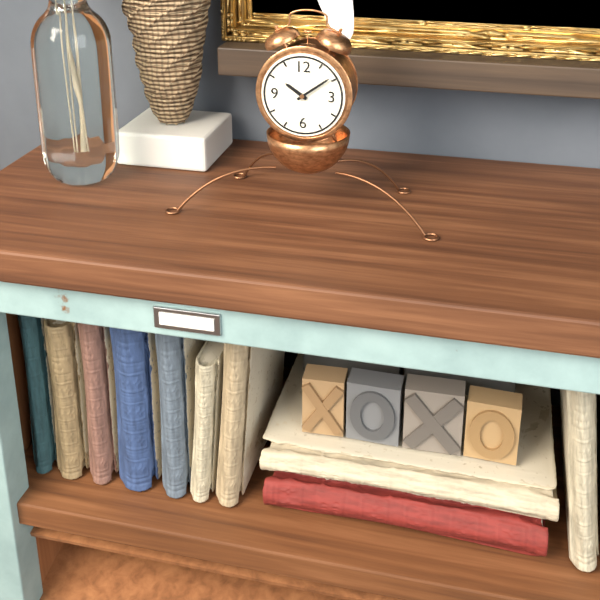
10.09
